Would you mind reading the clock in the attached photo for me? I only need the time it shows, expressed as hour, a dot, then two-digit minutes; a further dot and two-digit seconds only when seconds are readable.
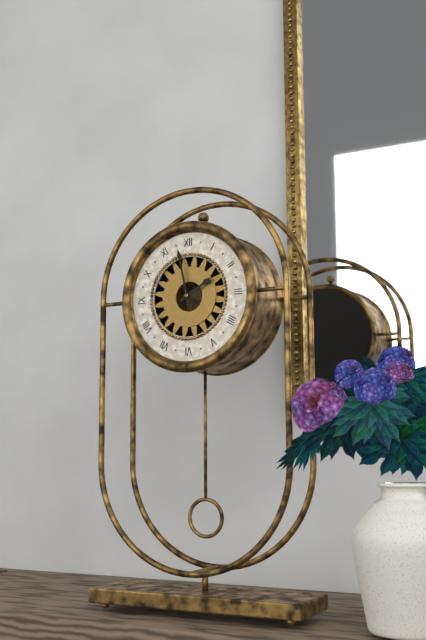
1.58
